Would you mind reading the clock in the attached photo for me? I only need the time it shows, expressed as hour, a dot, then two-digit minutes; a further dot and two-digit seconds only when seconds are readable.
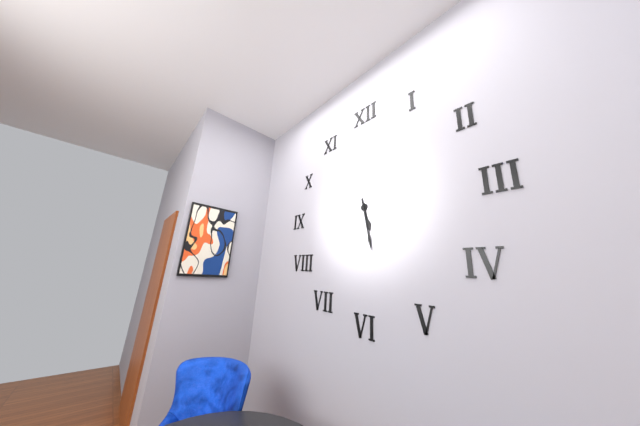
5.28
